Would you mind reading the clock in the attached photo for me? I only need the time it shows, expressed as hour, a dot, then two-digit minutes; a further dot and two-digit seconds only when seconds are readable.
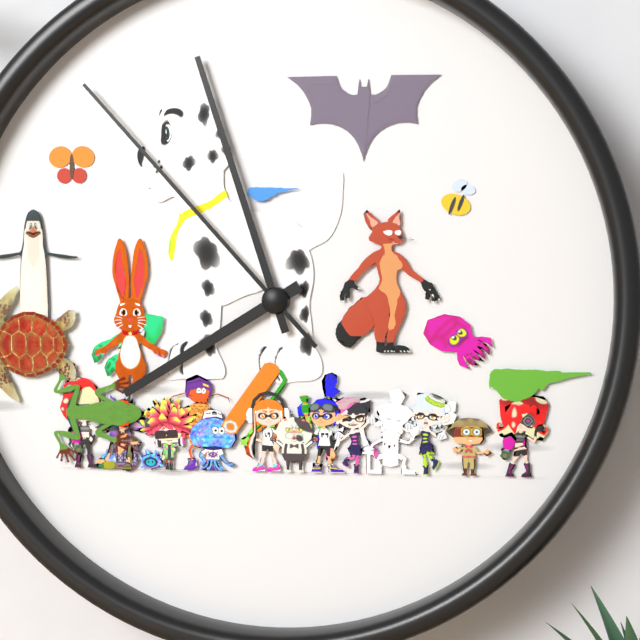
7.57.53
